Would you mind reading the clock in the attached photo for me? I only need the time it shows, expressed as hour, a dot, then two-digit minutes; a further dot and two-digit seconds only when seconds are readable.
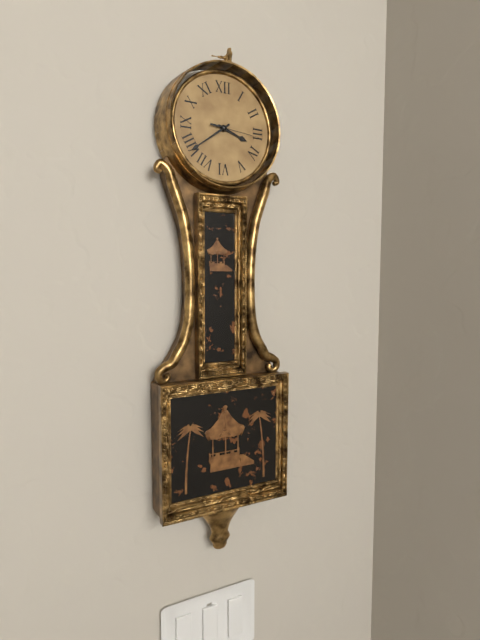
3.39
